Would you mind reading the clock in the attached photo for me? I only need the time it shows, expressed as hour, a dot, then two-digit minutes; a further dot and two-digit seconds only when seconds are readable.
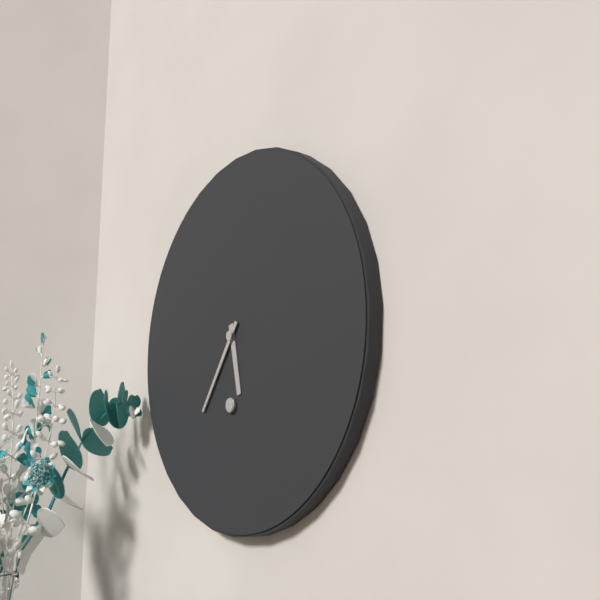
5.36
